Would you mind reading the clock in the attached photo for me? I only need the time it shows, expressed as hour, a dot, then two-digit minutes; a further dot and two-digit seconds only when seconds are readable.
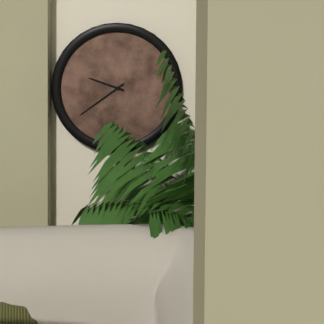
9.39
